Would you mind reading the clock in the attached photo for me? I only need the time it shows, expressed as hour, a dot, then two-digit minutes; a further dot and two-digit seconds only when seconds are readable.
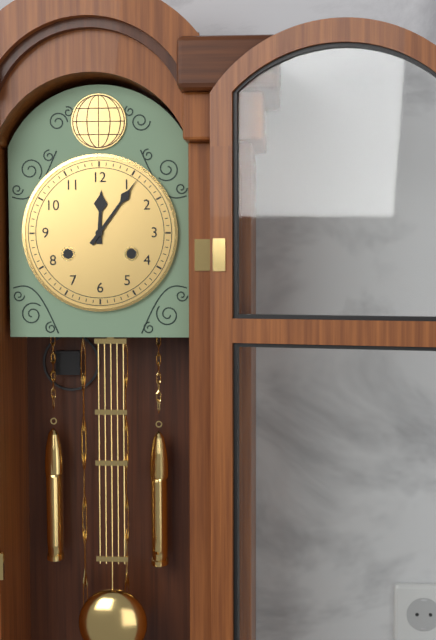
12.06
